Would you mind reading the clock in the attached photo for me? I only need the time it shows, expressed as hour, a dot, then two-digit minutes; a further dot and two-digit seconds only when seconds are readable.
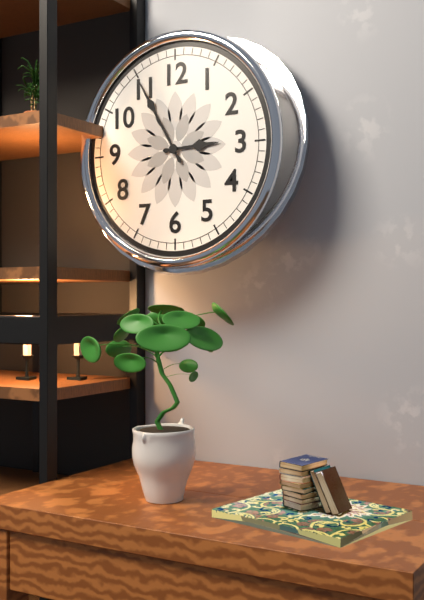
2.55
